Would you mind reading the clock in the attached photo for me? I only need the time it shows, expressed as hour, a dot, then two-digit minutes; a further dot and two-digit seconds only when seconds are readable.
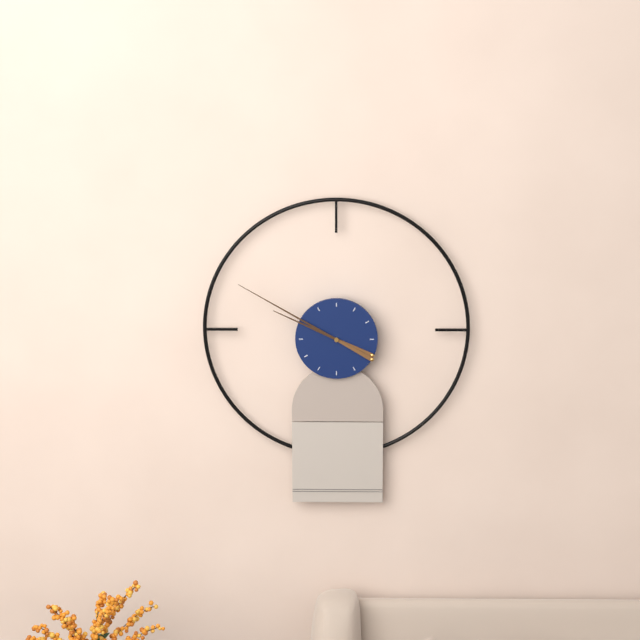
9.50
